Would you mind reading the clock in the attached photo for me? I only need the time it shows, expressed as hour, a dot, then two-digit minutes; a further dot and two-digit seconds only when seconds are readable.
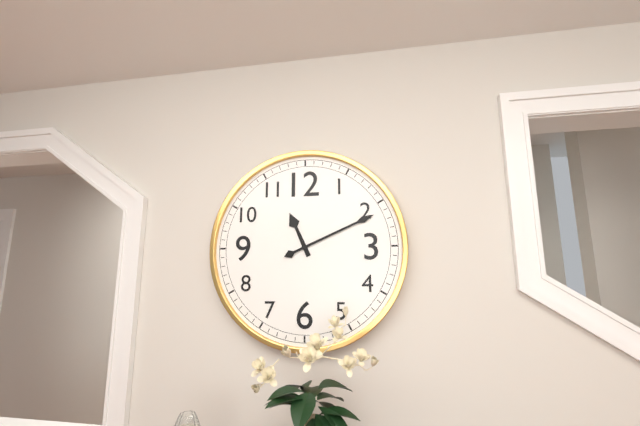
11.11
